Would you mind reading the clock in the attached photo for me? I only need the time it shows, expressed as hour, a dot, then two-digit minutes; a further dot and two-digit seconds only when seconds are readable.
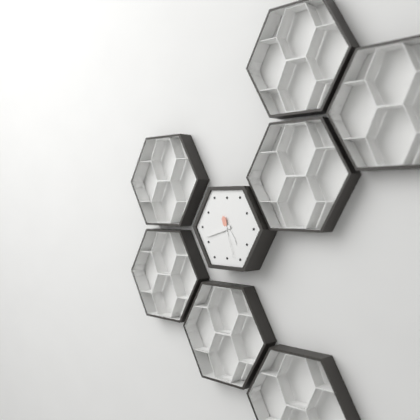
4.42
